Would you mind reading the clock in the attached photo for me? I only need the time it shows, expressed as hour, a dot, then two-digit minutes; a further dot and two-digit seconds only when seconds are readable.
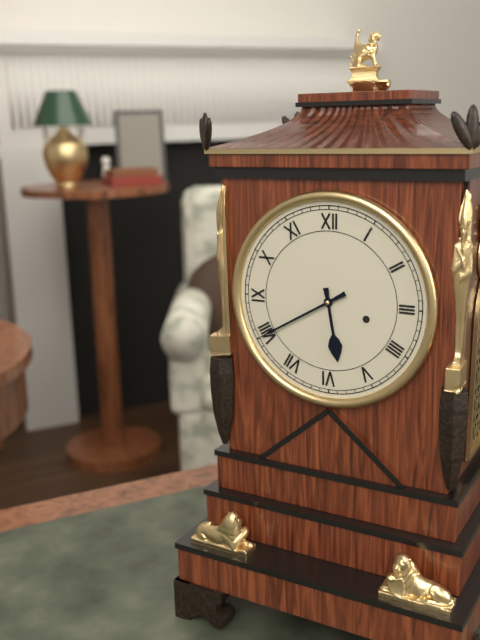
5.40
